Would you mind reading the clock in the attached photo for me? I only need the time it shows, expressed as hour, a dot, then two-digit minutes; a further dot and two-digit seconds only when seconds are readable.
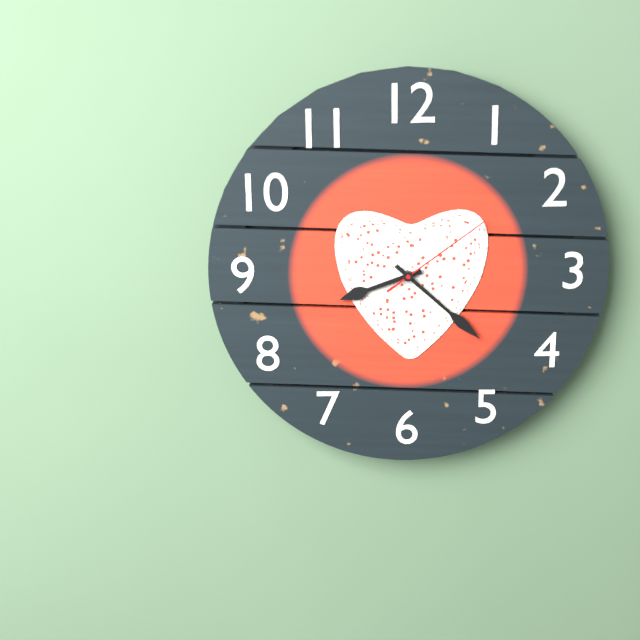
8.22.09
